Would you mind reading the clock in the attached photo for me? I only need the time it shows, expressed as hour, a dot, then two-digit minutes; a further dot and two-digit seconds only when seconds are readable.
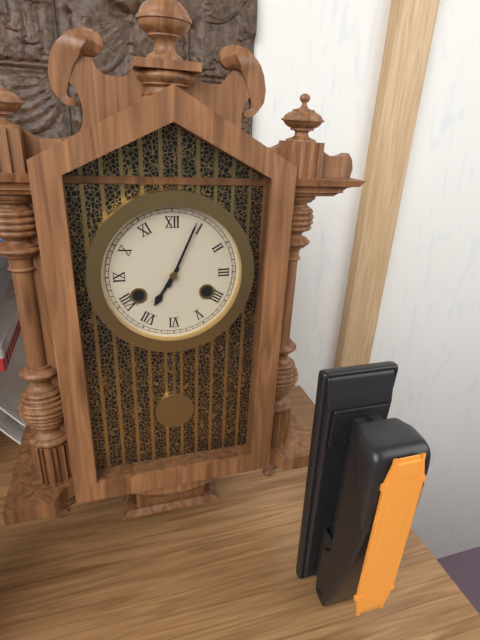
7.04
